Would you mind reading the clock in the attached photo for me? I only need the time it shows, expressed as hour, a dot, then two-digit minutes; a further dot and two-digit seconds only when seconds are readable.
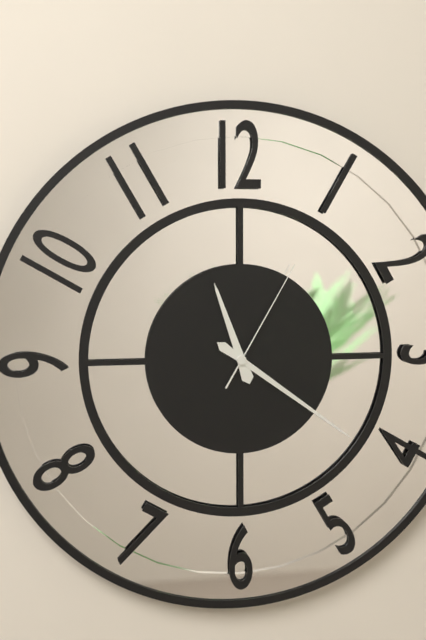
11.21.05
